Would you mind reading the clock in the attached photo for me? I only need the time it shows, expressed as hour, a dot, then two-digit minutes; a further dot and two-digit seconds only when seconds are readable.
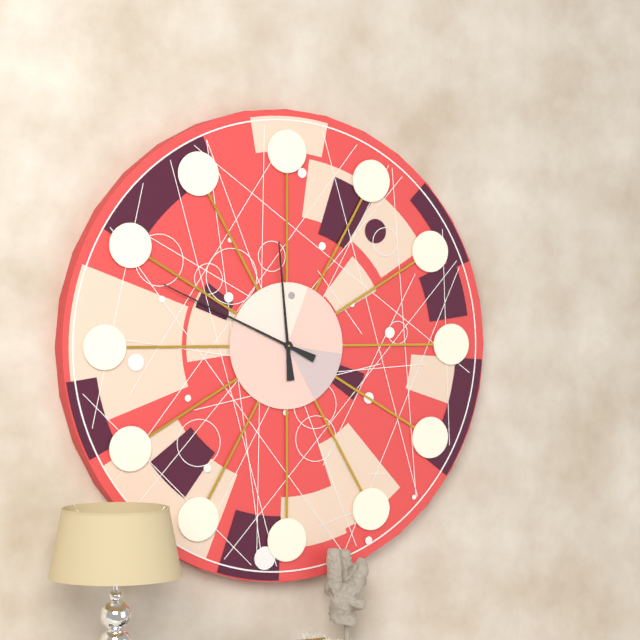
11.49
